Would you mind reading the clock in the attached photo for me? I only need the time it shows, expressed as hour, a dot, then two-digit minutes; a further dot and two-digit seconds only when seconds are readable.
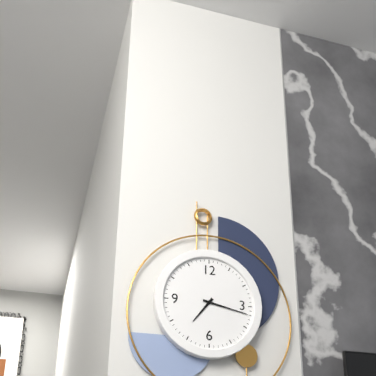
7.17
